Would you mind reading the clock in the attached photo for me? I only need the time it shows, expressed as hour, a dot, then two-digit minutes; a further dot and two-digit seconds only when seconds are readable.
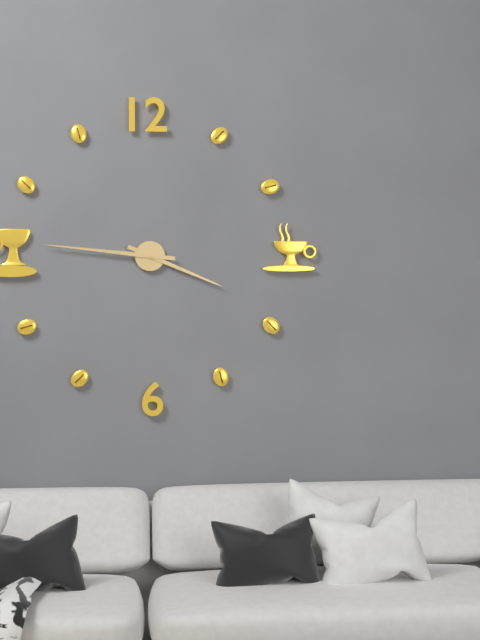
3.46
